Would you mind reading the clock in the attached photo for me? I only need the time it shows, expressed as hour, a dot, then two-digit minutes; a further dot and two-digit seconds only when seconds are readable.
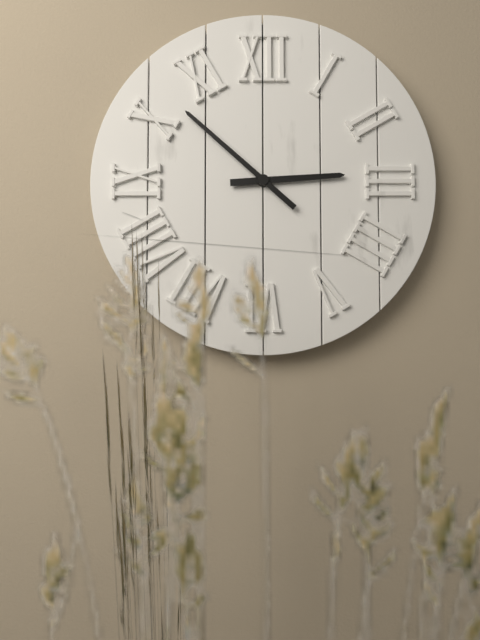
2.52
